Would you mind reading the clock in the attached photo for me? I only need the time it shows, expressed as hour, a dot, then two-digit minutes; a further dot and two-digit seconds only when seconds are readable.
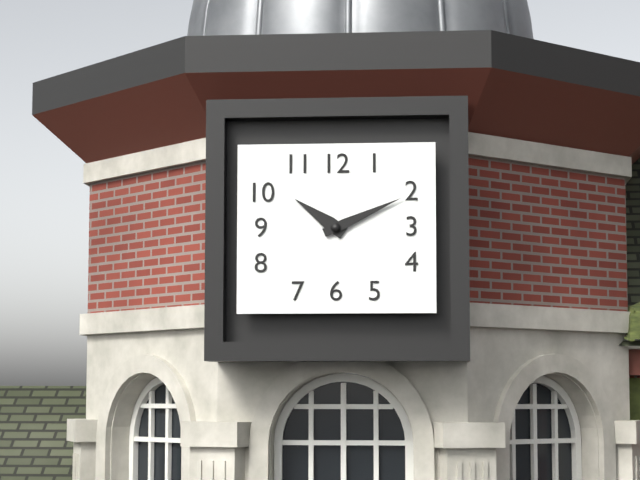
10.11
